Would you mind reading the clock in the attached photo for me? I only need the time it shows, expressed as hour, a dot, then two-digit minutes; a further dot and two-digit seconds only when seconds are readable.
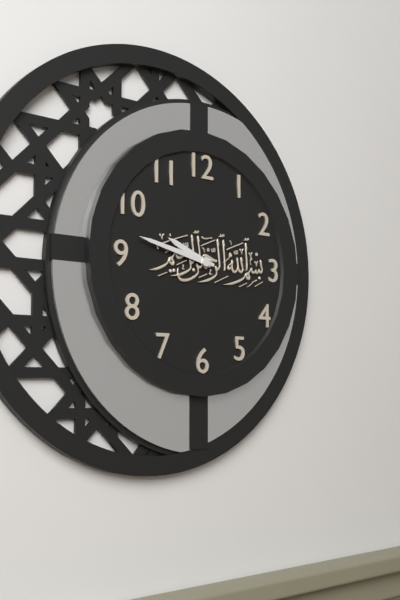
9.47
